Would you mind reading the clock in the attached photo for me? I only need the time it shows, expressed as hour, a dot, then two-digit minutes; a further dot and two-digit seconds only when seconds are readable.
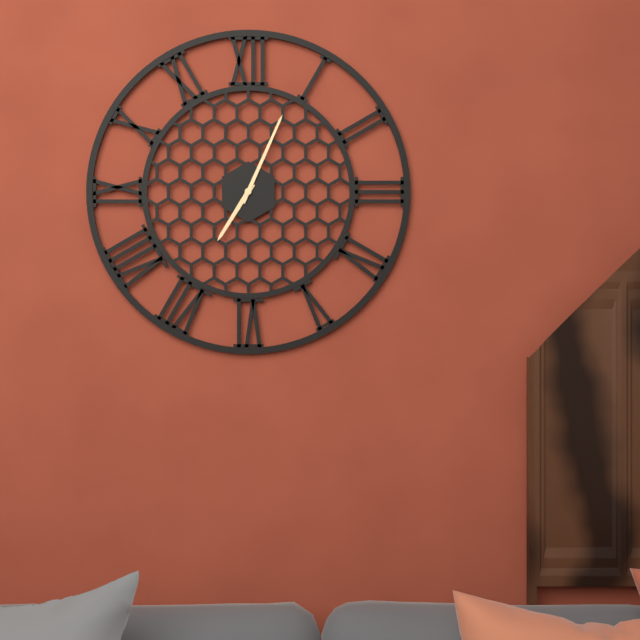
7.04
